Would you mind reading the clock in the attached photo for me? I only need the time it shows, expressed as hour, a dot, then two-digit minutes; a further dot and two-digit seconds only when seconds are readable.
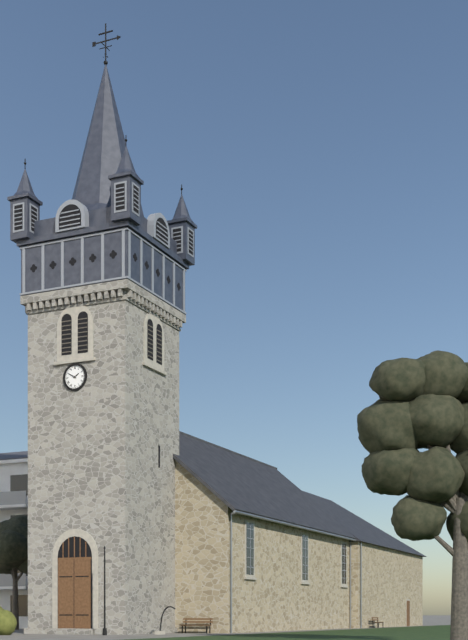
1.50
